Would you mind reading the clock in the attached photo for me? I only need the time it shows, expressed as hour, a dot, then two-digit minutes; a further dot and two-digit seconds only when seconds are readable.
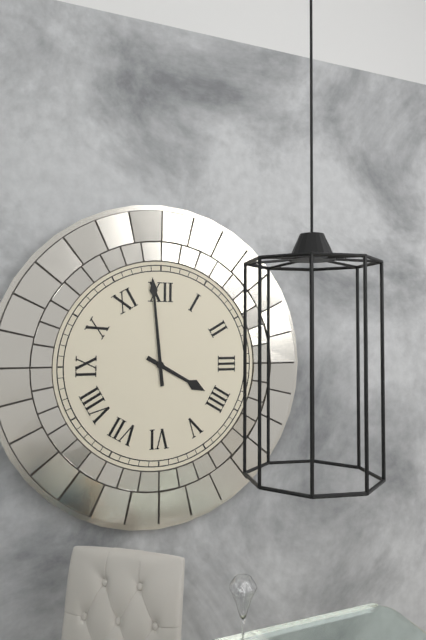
3.59
